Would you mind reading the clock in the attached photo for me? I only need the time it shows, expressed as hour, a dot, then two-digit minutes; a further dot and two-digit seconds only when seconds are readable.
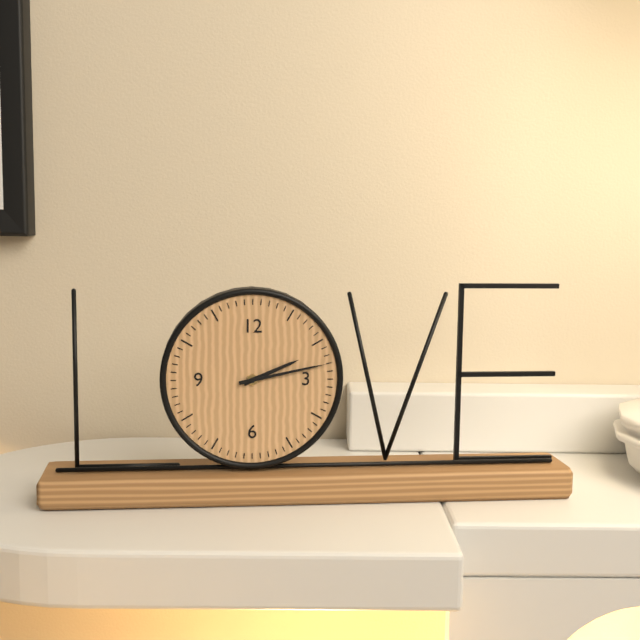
2.13
